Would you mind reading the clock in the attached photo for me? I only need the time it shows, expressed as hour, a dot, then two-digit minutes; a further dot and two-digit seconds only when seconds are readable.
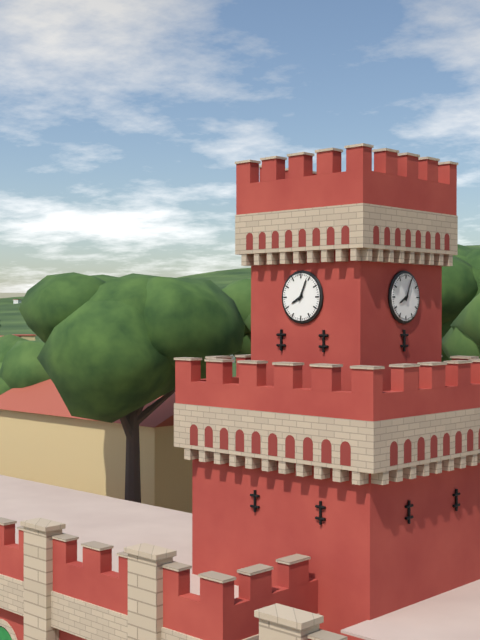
8.04
